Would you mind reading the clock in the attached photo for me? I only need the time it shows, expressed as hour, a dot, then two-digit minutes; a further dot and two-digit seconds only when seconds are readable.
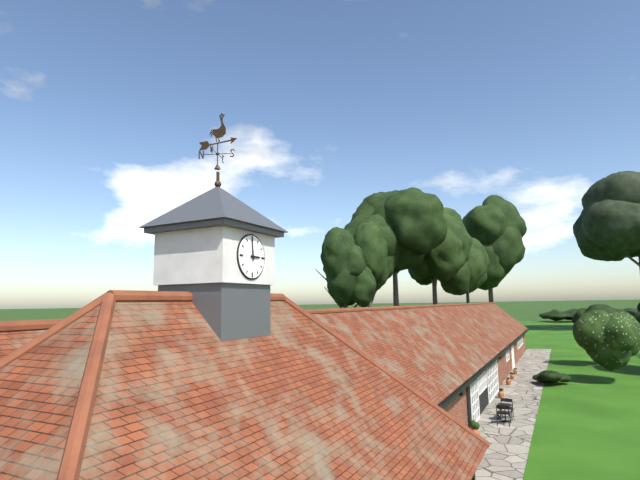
2.59
